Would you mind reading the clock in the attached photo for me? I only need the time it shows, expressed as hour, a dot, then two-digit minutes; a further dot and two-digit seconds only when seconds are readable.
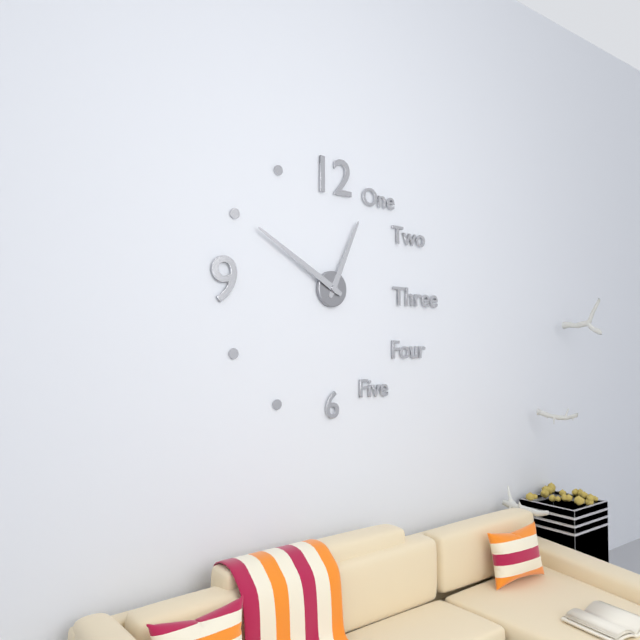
12.50
